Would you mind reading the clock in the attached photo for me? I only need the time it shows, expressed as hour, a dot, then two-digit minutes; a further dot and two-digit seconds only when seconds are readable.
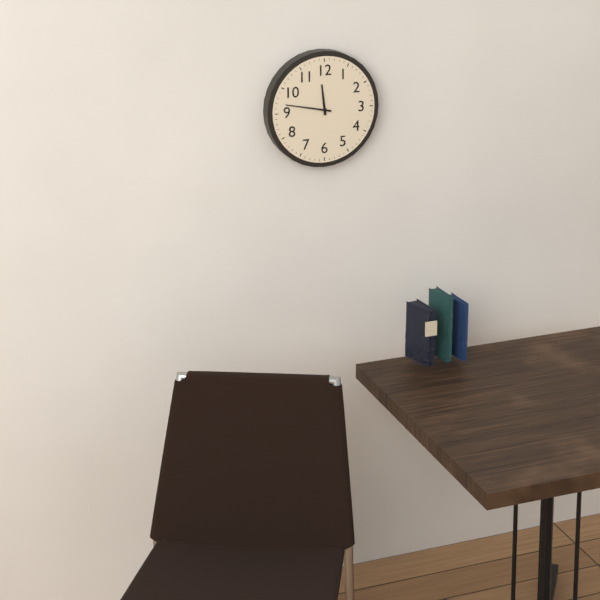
11.47
